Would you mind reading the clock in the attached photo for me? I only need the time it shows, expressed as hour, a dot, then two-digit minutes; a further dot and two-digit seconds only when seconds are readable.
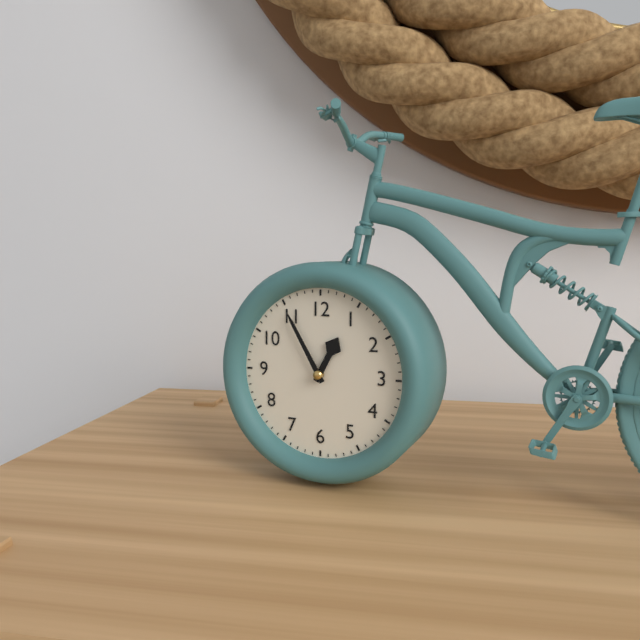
12.55
